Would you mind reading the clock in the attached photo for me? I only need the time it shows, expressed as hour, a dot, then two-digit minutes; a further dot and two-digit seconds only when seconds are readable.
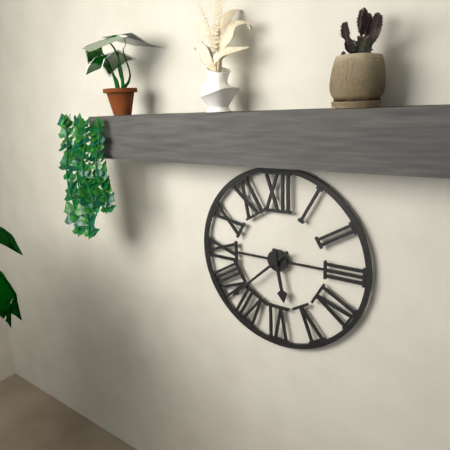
5.38
